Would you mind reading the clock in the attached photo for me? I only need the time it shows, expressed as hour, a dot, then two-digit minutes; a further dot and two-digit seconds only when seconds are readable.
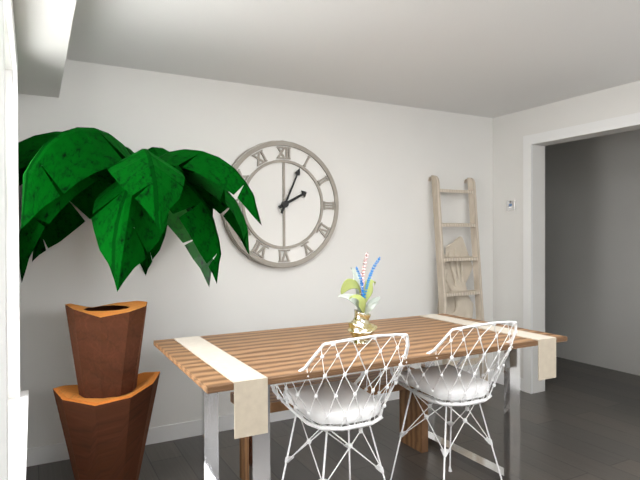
2.04
